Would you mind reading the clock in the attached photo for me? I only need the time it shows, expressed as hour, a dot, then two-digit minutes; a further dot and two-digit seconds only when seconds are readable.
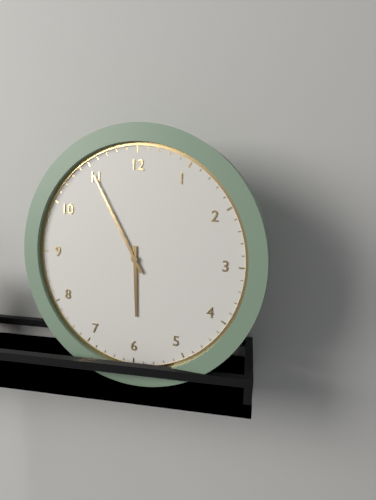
5.55
